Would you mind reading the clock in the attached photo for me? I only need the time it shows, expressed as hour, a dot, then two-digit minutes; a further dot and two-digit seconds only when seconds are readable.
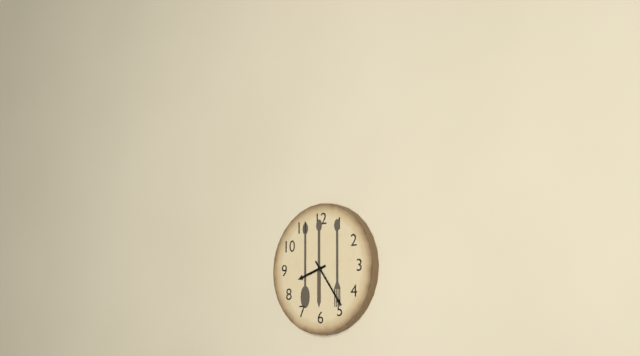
8.24
